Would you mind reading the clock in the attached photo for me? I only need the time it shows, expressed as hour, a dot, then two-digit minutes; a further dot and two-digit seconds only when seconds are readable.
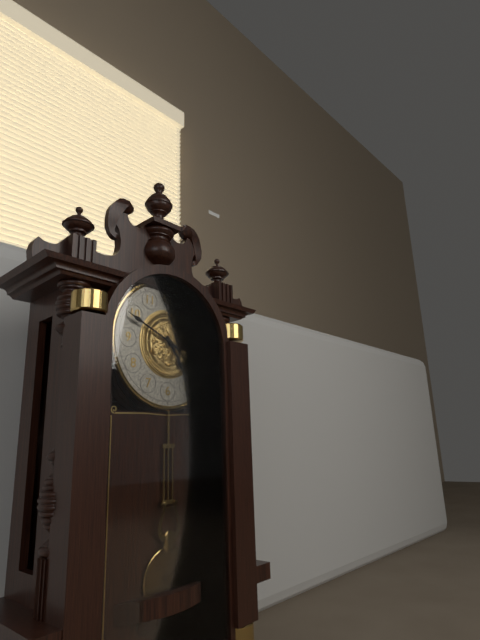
4.49
